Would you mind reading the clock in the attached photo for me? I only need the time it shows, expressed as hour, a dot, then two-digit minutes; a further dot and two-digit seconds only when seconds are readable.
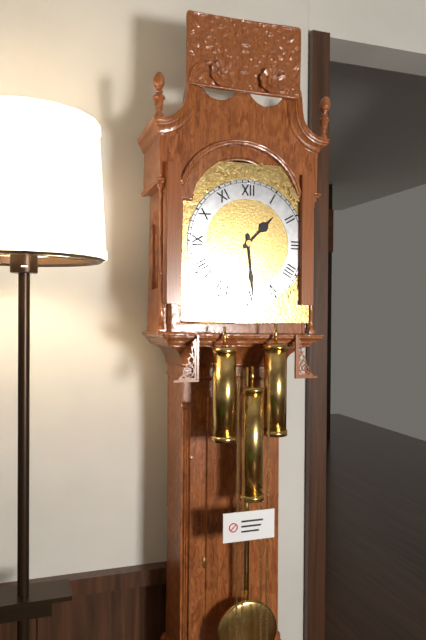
1.29
